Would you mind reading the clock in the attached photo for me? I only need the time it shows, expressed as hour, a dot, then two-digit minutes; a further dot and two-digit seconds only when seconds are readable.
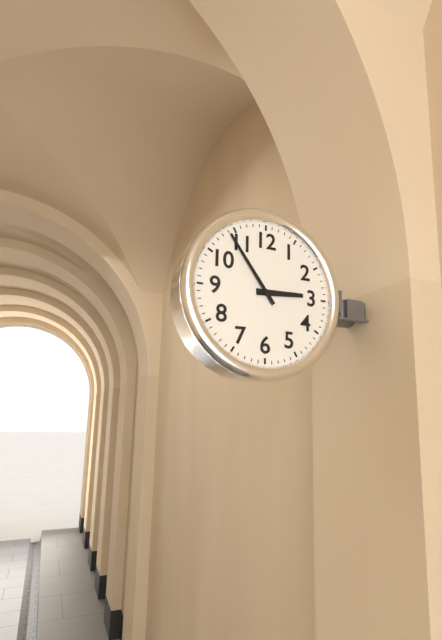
2.54
